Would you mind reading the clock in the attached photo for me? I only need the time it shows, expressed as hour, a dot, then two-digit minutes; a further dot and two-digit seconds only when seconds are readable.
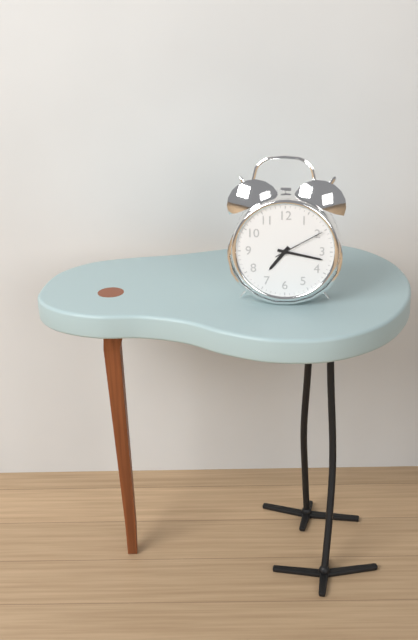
7.17.10
